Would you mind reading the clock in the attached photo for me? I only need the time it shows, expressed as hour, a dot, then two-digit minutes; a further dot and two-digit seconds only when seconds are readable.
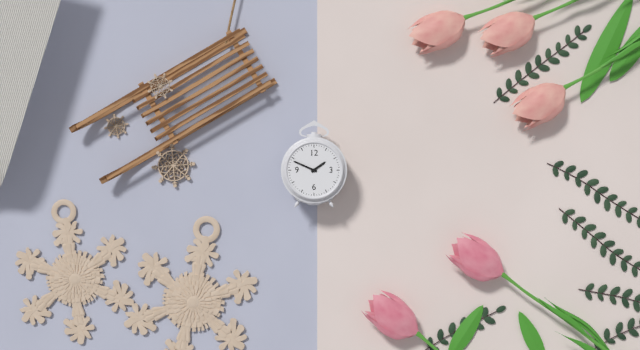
1.49
